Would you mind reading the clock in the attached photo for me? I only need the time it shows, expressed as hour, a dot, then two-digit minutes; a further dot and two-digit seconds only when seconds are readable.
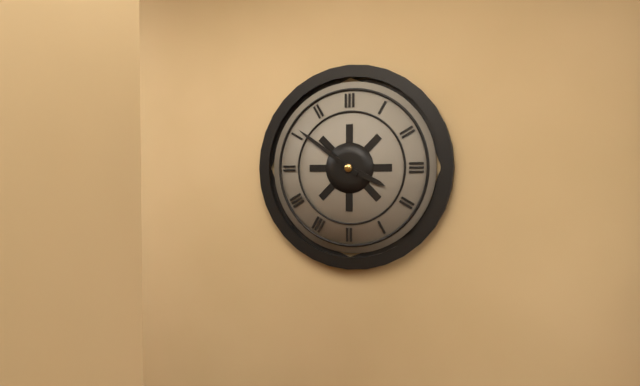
3.51
